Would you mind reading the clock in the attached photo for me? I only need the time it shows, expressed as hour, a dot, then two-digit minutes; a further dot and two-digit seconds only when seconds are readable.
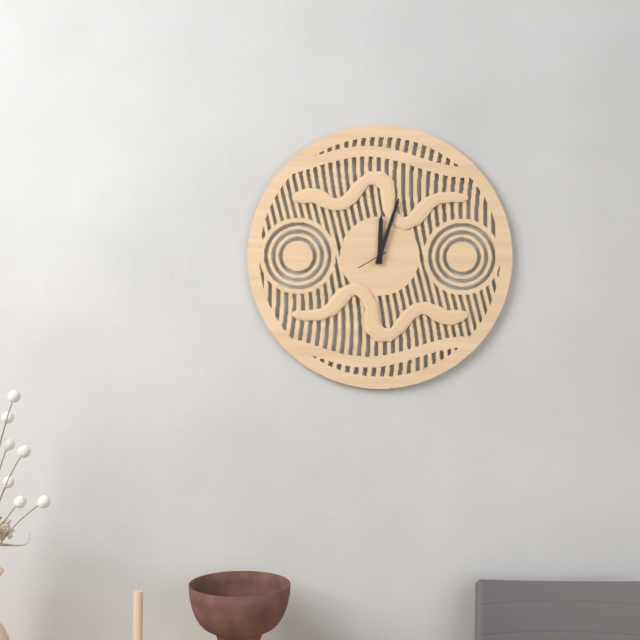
12.03
